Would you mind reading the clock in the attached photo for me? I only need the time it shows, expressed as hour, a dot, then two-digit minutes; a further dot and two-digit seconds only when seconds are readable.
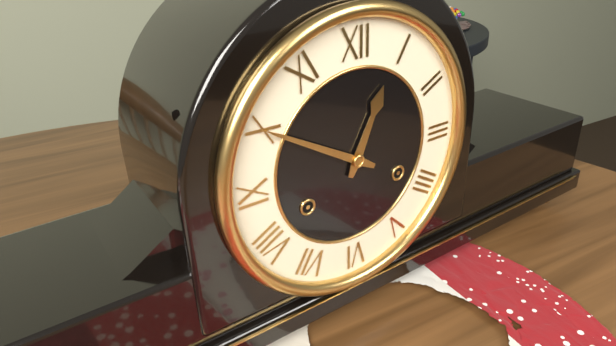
12.50
